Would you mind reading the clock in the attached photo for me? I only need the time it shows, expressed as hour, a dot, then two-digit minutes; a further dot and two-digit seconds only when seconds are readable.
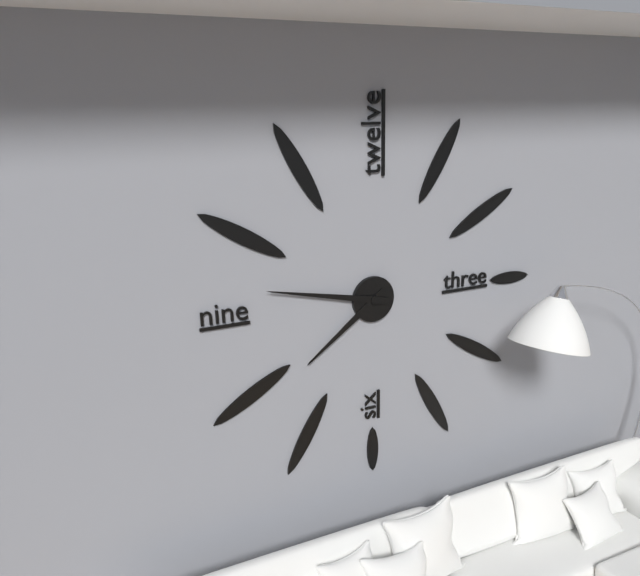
7.47
